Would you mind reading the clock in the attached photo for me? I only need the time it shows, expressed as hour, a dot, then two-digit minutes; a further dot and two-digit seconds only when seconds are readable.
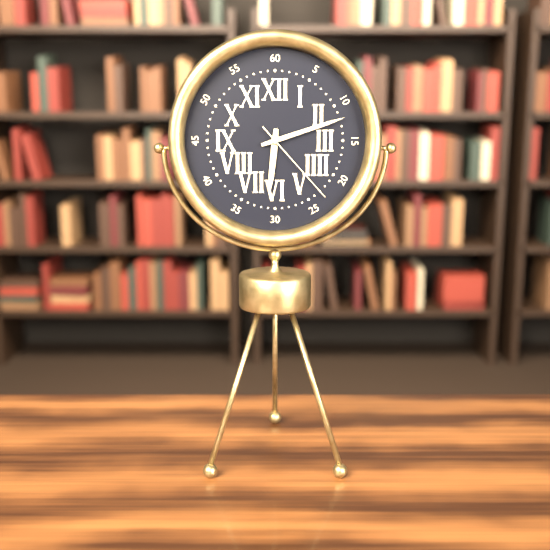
6.12.23
